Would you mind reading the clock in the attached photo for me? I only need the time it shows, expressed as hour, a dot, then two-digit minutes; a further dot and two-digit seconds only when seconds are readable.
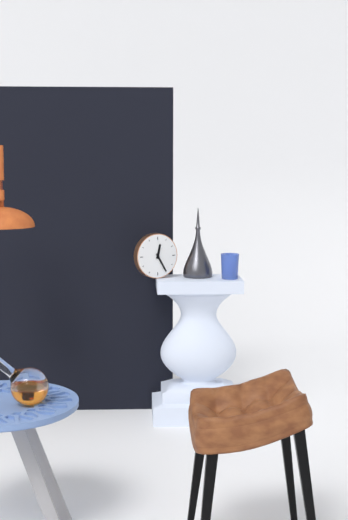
12.25
